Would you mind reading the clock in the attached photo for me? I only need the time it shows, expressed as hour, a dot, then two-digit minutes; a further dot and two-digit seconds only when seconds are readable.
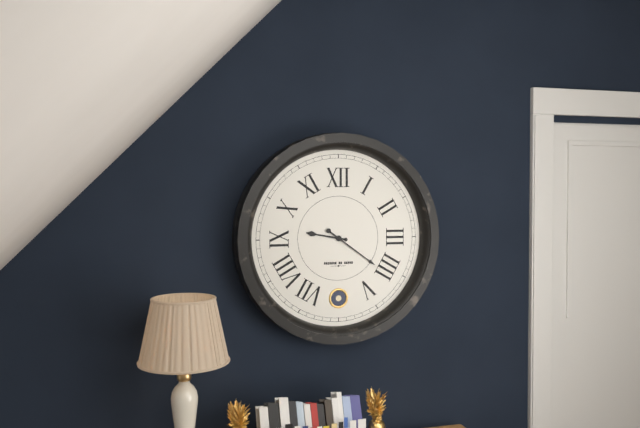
9.21
